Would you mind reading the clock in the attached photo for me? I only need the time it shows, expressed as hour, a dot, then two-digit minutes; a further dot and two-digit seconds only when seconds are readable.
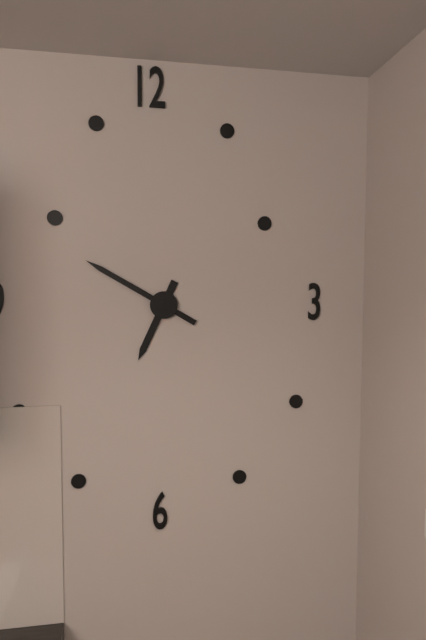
6.50
